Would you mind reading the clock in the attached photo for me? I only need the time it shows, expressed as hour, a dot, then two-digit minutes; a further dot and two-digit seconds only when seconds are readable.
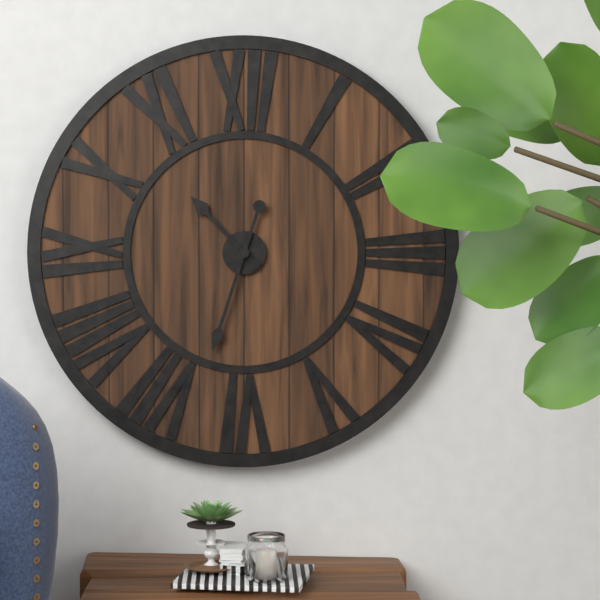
10.33
